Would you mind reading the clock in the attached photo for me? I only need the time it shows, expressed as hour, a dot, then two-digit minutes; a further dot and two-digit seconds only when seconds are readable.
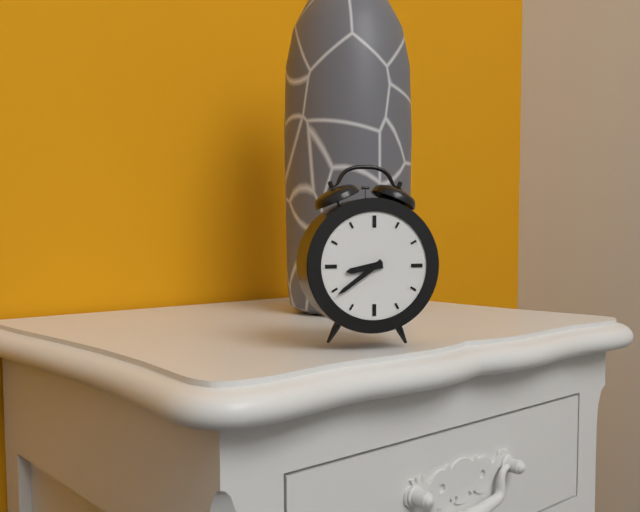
8.39
